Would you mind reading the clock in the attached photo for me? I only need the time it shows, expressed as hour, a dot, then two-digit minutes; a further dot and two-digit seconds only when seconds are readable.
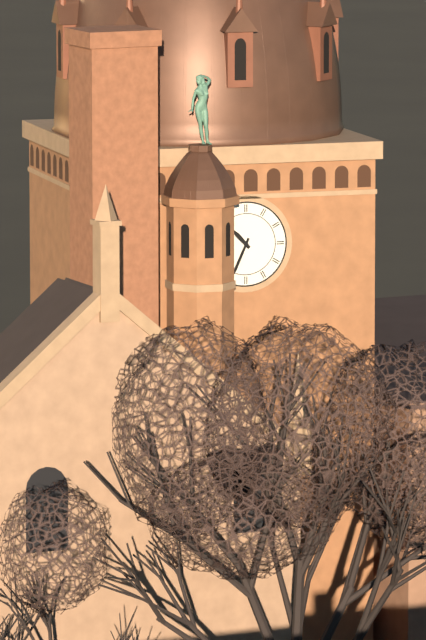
10.34
